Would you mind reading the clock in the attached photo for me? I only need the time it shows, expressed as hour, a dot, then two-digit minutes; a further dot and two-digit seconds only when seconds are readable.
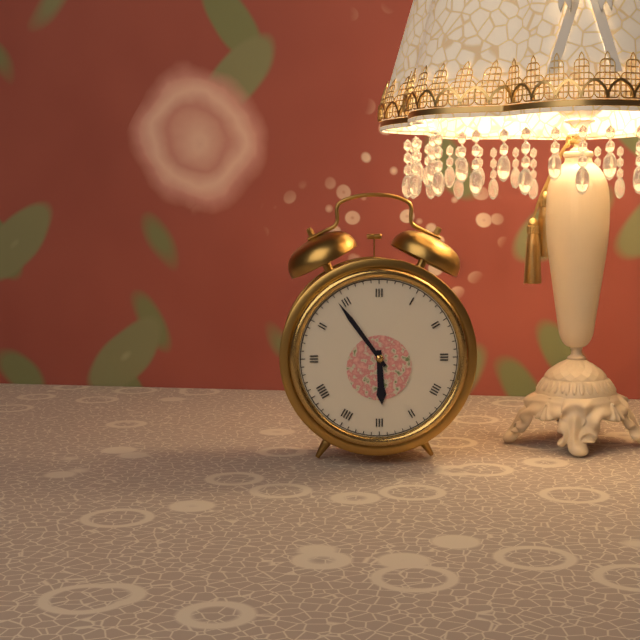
5.54
